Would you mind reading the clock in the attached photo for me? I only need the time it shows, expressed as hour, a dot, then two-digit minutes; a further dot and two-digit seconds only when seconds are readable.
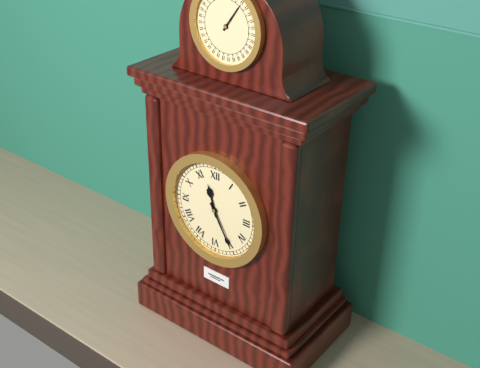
11.25
